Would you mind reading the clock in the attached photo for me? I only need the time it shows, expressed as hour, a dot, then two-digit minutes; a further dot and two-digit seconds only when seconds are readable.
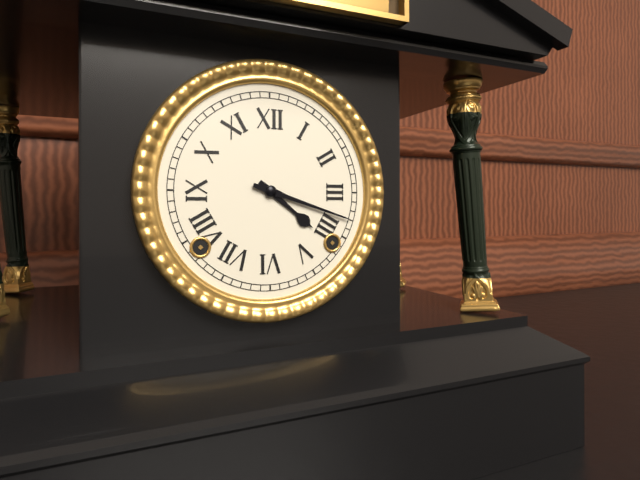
4.18
